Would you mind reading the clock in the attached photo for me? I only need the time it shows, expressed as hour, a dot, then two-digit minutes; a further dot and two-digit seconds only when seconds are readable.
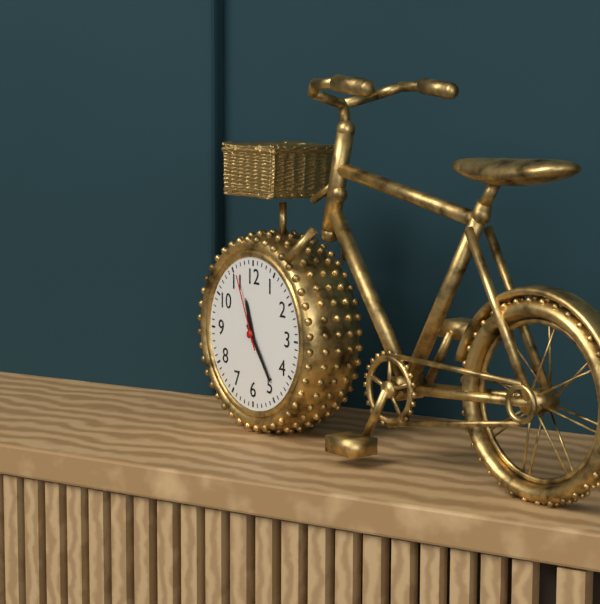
11.24.56
